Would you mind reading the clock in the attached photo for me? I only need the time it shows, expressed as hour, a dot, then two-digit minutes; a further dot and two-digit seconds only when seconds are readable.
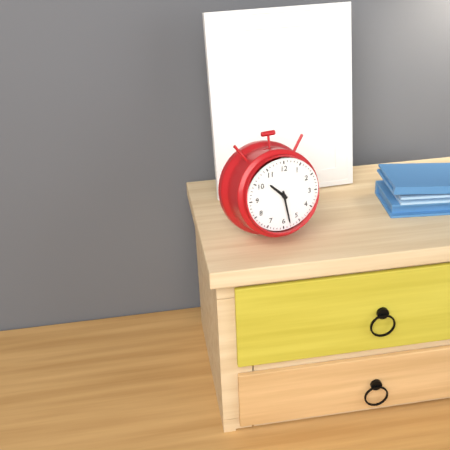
10.28
